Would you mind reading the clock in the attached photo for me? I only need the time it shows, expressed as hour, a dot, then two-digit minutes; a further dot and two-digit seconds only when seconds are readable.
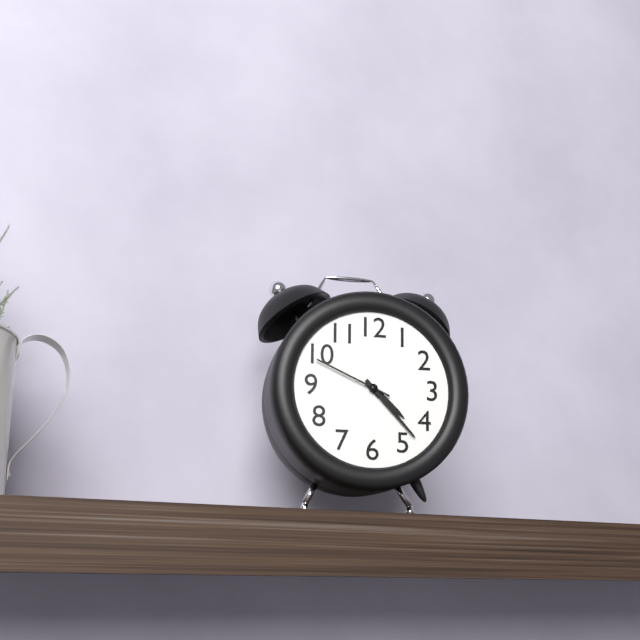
4.23.49
